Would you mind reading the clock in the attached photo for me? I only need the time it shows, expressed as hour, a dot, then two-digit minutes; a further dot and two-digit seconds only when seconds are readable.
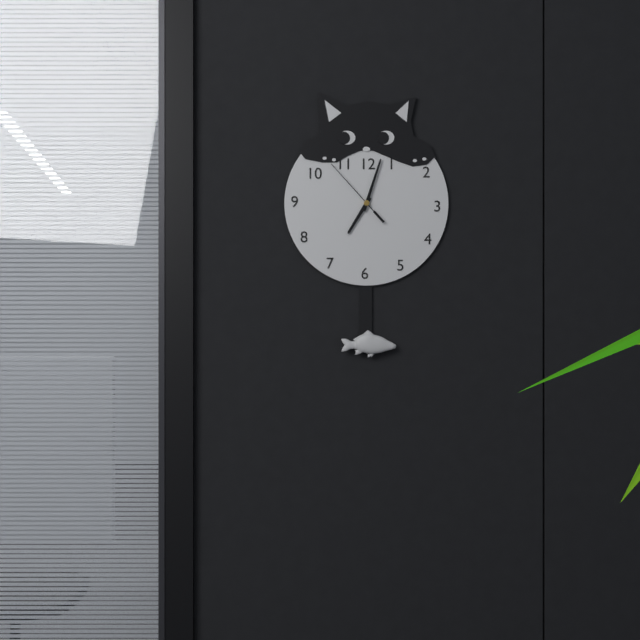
7.03.53
